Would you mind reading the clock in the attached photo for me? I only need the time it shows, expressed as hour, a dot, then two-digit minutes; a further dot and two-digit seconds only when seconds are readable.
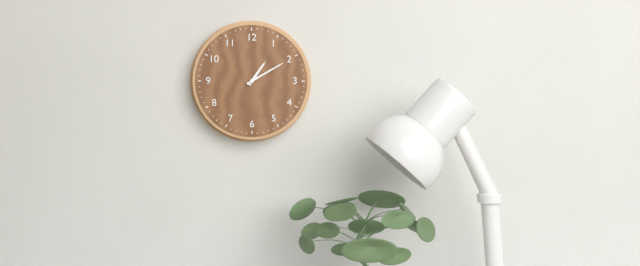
1.10
